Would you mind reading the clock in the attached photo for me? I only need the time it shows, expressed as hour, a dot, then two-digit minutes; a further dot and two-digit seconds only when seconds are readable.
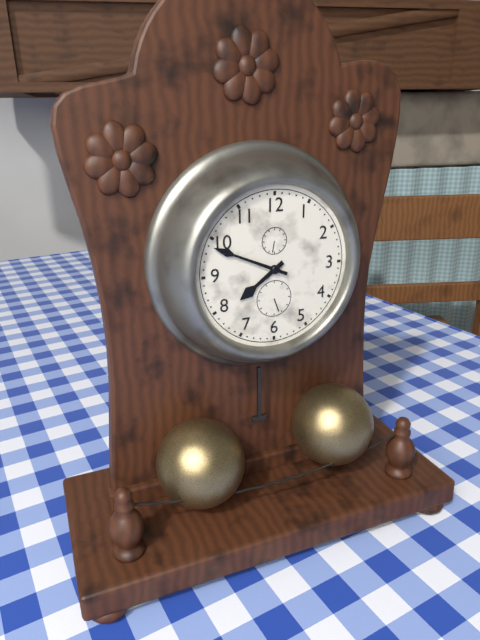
7.49
